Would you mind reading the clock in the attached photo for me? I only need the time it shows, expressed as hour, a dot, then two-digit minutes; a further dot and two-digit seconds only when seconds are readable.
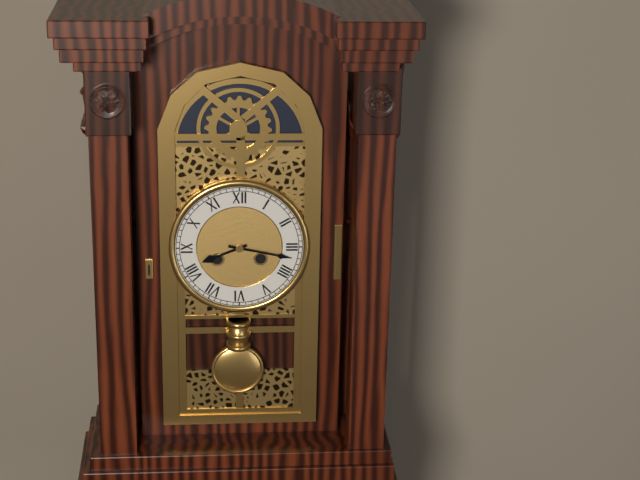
8.17
